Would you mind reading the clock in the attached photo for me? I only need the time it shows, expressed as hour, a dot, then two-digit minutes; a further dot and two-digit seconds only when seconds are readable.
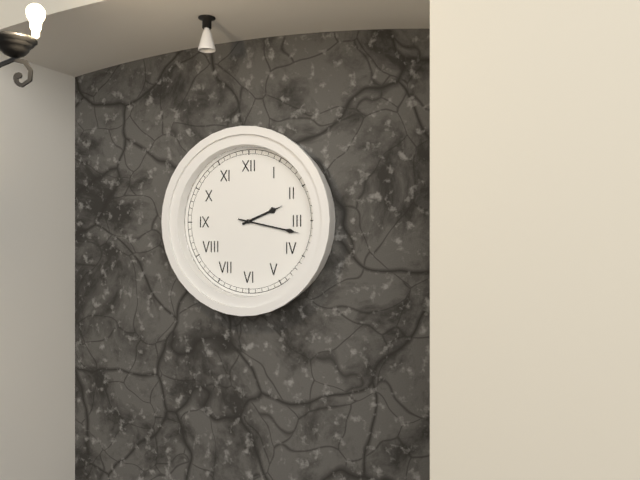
2.17
